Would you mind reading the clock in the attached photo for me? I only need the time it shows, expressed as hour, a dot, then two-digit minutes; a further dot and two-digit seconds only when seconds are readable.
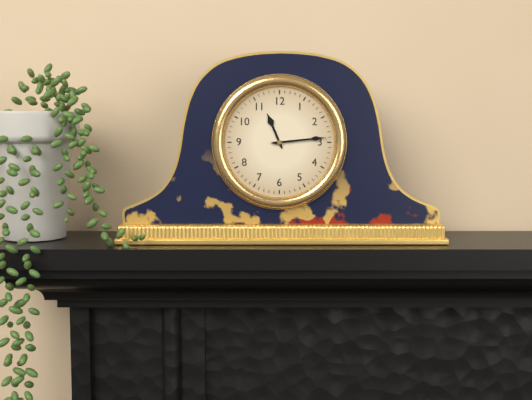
11.14
